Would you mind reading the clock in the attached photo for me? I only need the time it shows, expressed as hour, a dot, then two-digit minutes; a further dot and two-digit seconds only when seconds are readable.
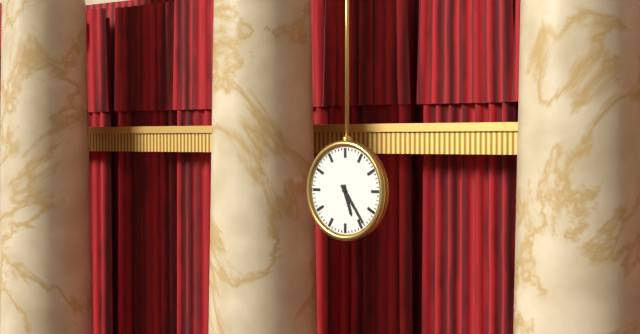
5.24
